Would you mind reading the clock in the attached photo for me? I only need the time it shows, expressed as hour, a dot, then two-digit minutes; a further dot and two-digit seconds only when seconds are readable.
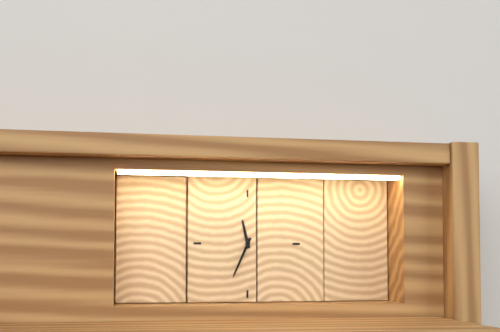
11.34
